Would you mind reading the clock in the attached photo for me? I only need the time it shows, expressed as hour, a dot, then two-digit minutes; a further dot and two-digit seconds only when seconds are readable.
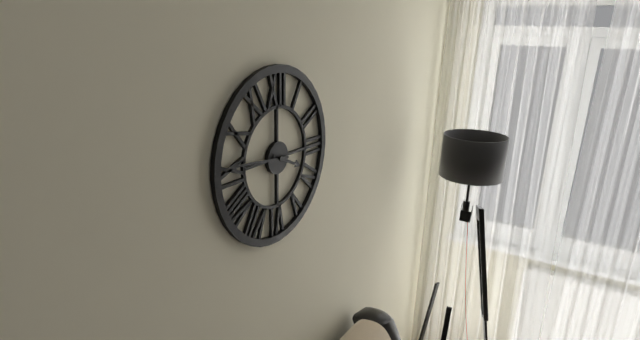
3.46
